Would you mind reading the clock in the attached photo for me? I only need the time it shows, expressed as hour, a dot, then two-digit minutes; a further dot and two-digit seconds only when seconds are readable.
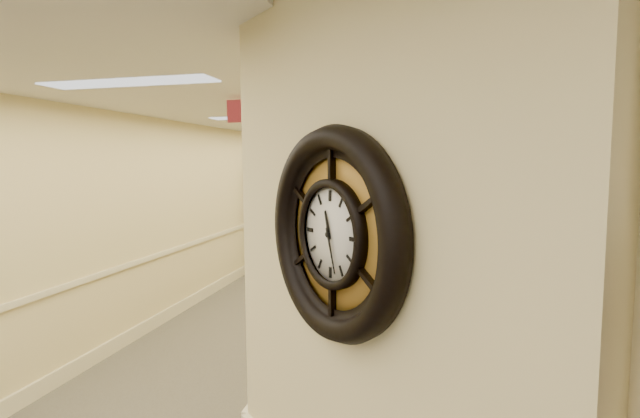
11.27
